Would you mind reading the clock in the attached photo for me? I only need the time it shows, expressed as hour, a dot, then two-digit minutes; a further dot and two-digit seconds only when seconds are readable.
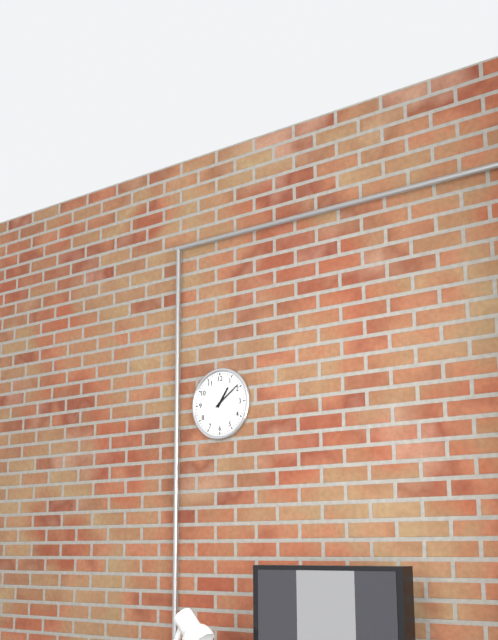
1.09
